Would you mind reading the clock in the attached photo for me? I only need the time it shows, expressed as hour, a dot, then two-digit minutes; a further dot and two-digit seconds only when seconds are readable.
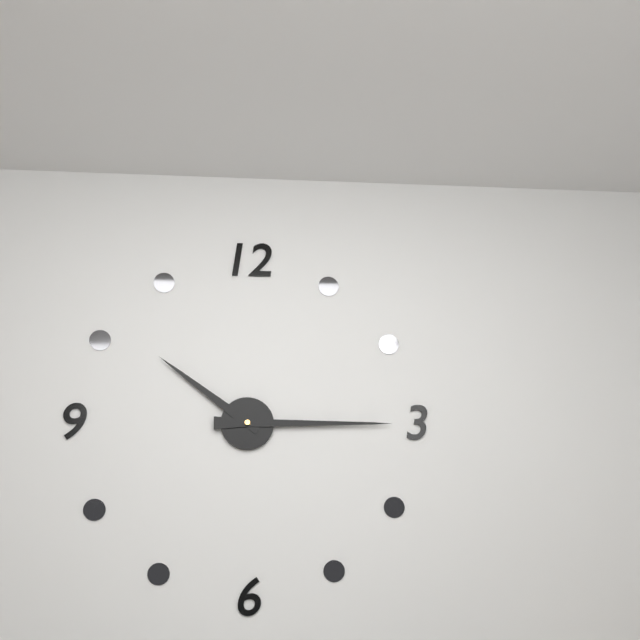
10.15
